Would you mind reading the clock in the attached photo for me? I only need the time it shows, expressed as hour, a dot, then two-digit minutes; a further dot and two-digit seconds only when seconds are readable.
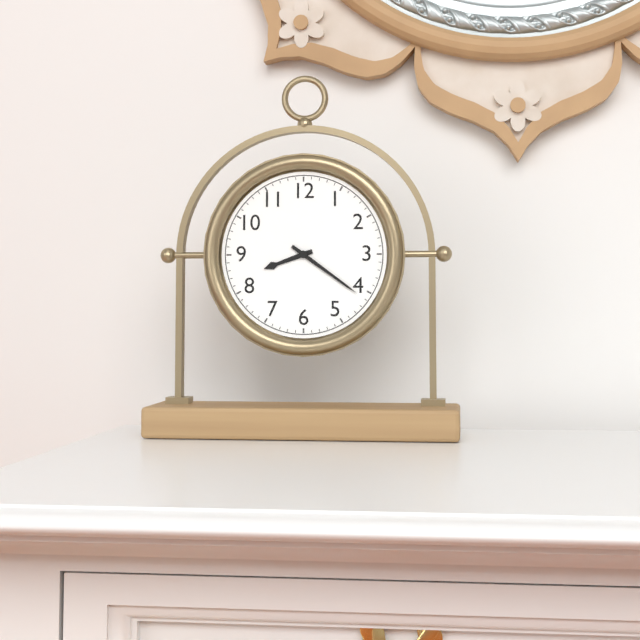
8.21
